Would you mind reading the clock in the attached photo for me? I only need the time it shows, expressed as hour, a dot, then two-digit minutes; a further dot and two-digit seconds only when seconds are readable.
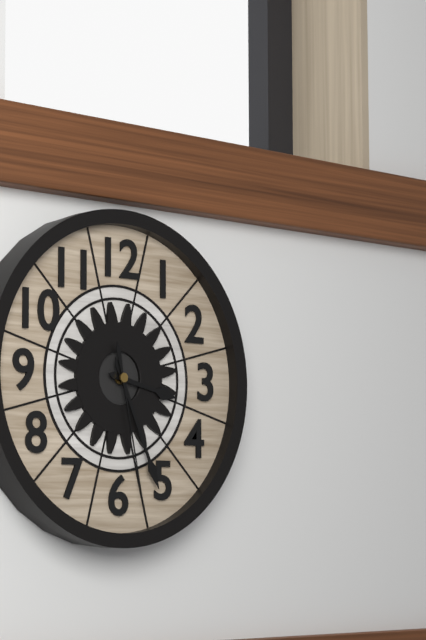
3.26.28
